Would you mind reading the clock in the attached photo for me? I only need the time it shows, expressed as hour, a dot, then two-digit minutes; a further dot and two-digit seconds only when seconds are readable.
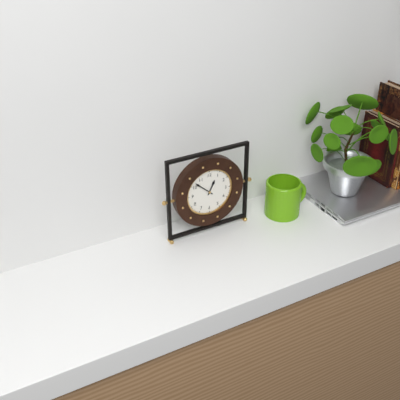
12.52
